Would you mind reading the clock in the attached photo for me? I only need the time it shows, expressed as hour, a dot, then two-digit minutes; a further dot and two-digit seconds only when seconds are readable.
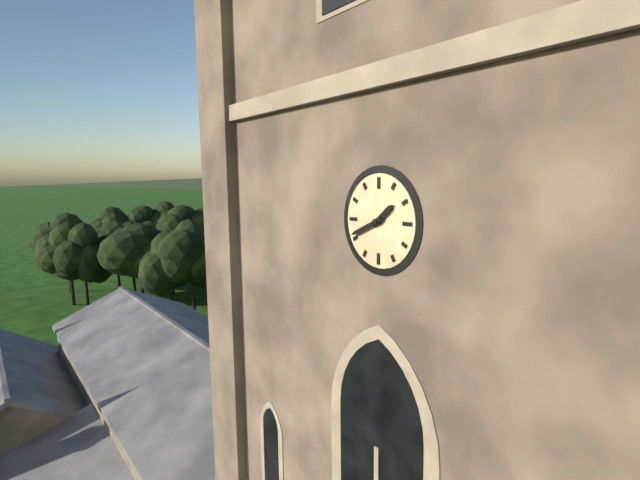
1.41
